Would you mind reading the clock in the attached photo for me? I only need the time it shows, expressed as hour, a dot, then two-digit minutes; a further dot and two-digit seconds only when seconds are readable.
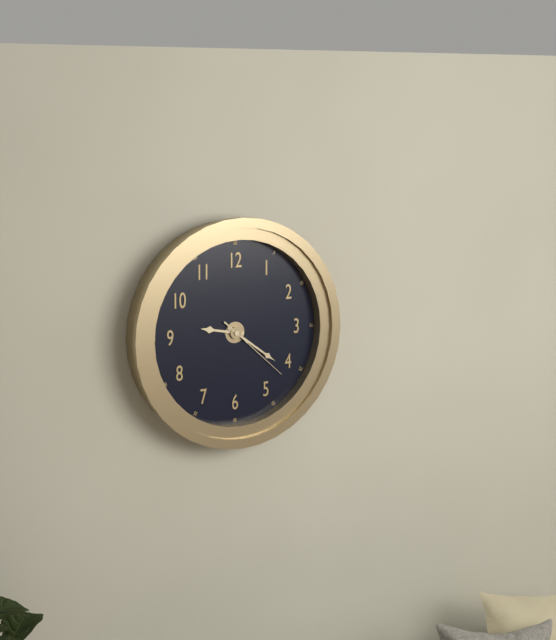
9.21.22
